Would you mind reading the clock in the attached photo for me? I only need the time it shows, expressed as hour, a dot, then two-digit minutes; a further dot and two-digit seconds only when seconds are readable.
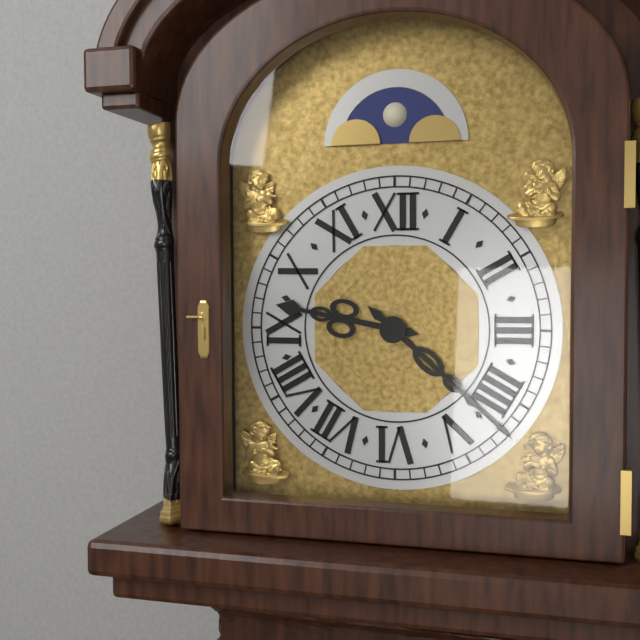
9.22
